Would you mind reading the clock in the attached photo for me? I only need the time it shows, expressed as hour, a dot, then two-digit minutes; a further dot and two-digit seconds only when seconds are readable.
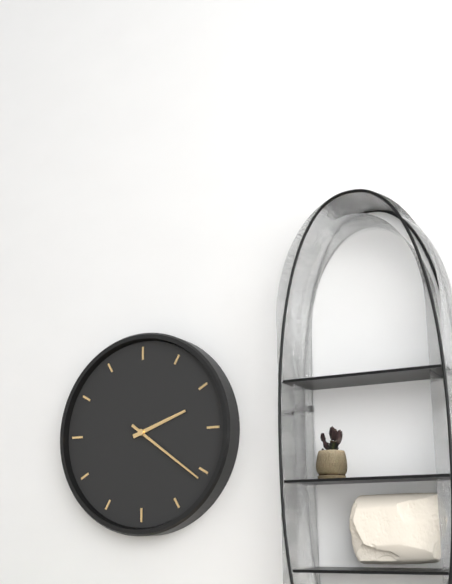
2.21
